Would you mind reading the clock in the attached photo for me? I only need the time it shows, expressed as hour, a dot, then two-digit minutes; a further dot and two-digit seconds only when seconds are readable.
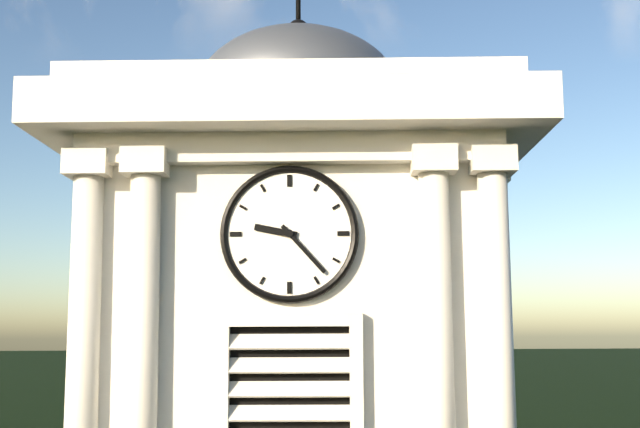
9.23
